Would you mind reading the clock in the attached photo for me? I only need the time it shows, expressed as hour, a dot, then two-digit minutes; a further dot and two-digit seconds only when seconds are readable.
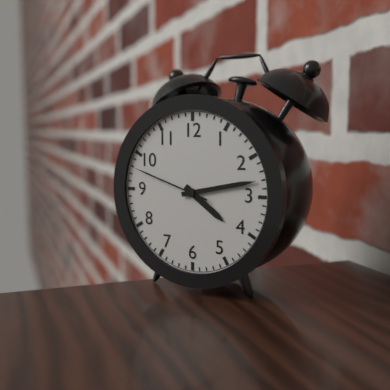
4.13.48
